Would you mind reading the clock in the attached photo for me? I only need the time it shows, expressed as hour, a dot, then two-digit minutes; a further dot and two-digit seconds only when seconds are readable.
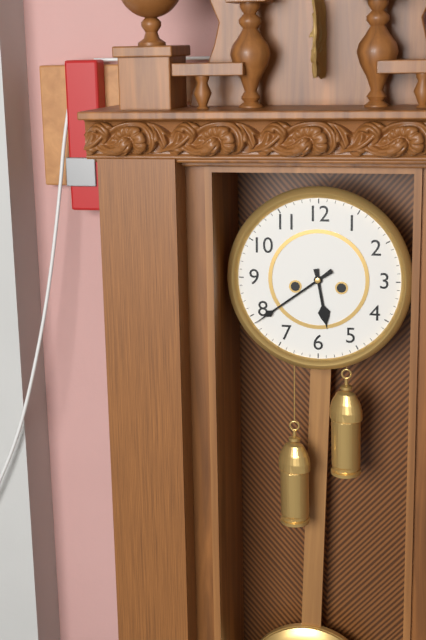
5.39
